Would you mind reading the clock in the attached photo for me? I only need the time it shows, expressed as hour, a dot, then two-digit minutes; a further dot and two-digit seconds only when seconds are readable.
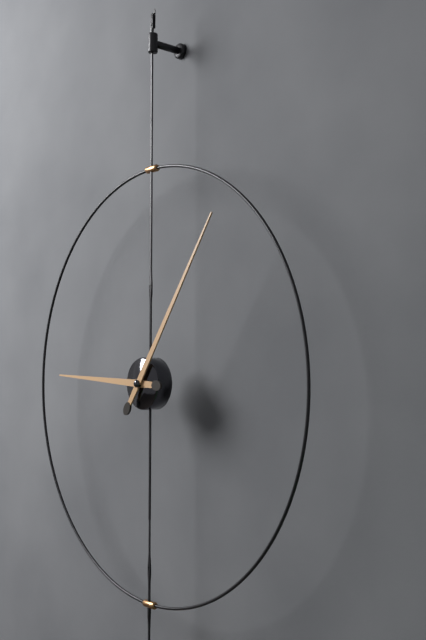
9.06
